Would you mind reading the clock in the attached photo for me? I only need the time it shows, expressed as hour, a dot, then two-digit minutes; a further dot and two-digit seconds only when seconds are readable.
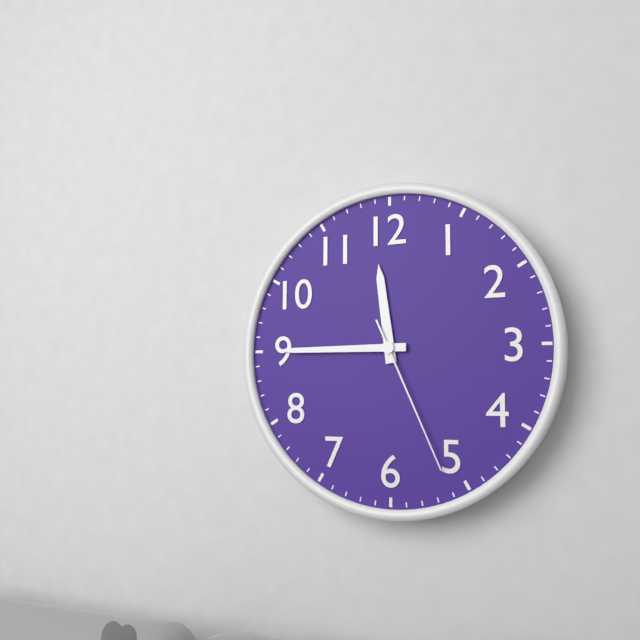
11.45.26
